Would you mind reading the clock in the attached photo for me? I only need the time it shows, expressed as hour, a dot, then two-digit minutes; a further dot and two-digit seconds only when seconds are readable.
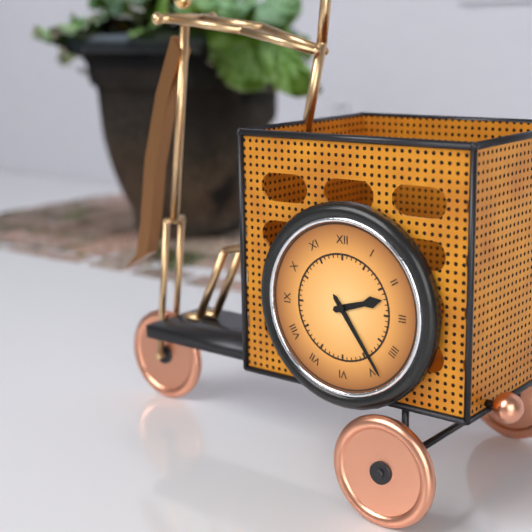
2.24
